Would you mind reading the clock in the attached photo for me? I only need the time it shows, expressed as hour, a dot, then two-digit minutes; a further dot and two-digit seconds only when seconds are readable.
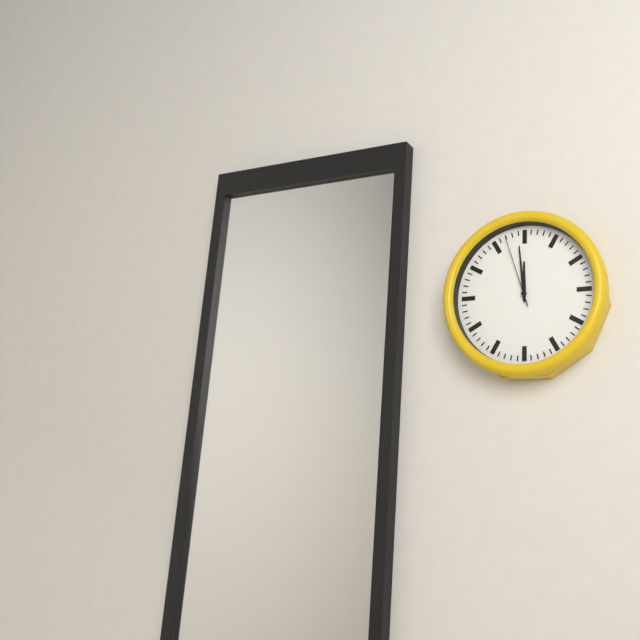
11.59.57
